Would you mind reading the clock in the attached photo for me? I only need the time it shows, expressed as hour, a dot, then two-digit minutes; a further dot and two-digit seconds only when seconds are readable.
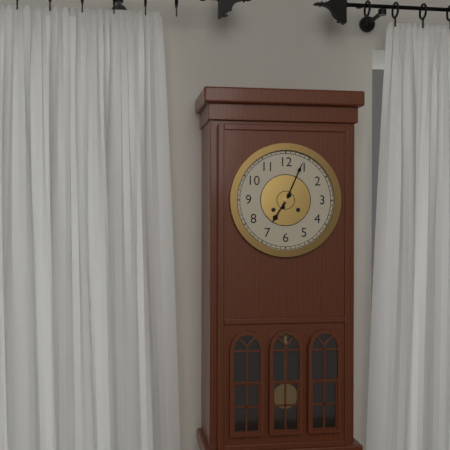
7.04
